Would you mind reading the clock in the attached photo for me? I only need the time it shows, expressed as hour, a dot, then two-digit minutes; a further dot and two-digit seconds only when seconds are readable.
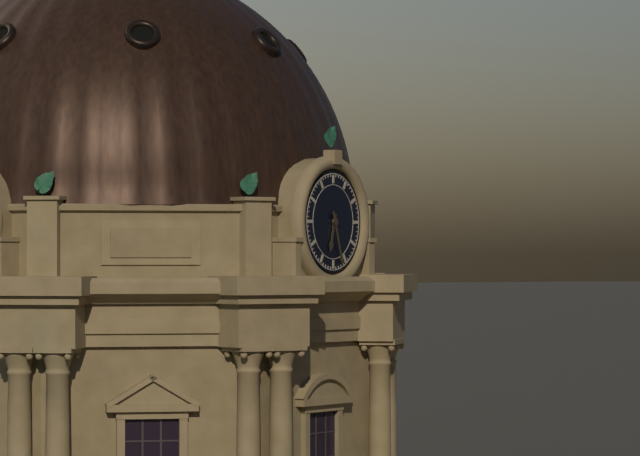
6.27
